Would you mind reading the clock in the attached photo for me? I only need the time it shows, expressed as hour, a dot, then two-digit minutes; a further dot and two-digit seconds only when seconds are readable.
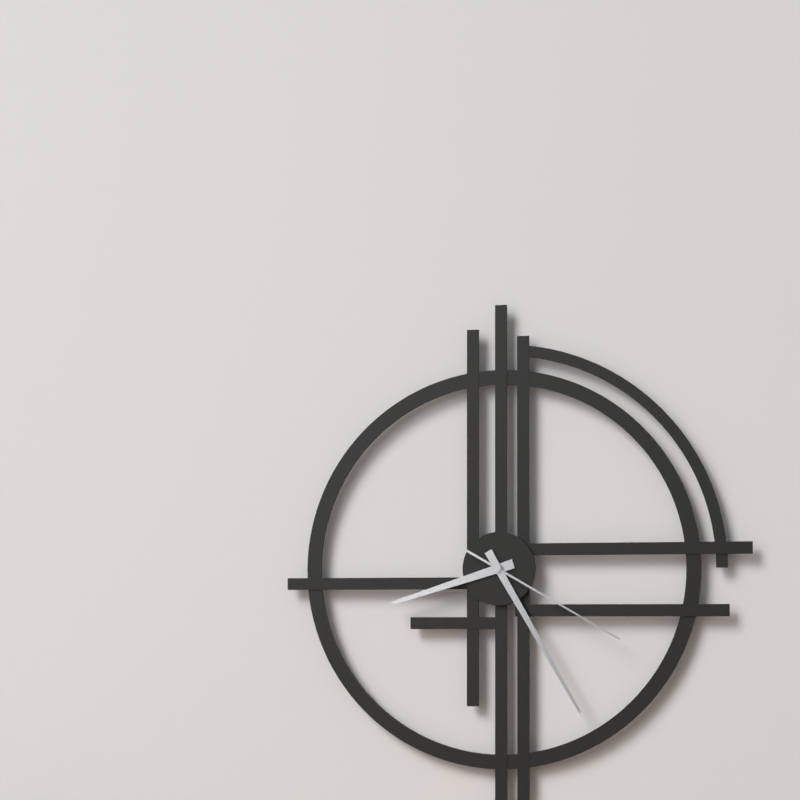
8.25.20
